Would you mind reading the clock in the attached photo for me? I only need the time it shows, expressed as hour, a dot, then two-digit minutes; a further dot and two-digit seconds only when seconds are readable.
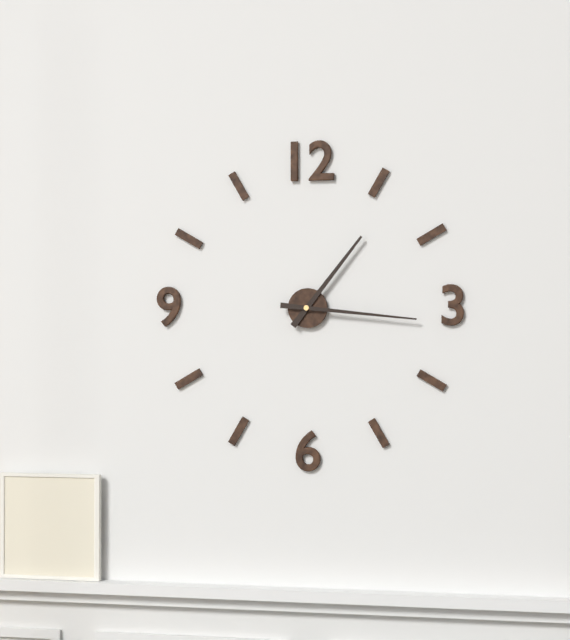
1.16
